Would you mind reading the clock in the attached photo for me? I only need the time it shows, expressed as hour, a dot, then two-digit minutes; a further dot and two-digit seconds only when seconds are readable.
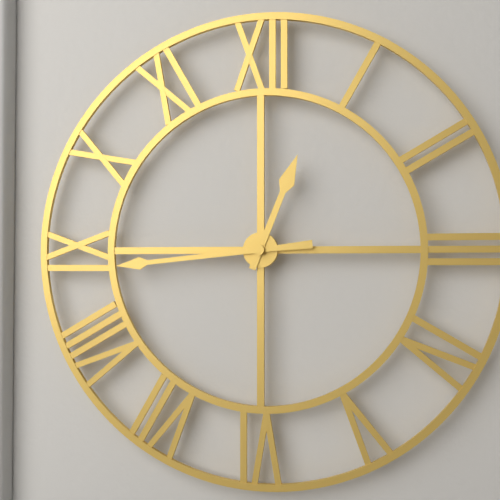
12.44
